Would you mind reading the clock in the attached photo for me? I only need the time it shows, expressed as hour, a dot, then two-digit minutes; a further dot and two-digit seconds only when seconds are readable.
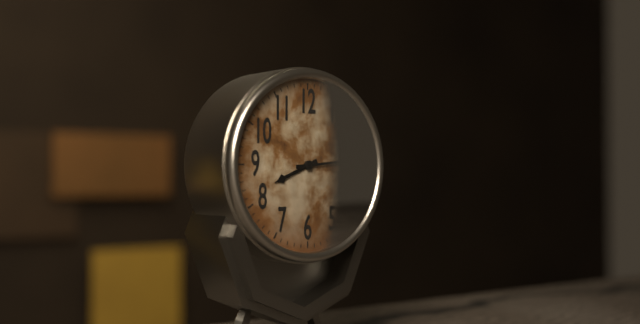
8.14
